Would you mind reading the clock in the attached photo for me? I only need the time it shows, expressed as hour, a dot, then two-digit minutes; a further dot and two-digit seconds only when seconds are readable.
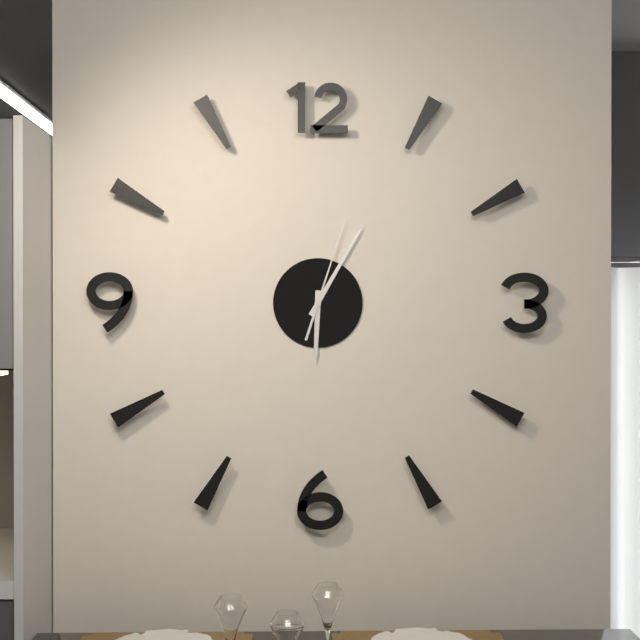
6.05.03
